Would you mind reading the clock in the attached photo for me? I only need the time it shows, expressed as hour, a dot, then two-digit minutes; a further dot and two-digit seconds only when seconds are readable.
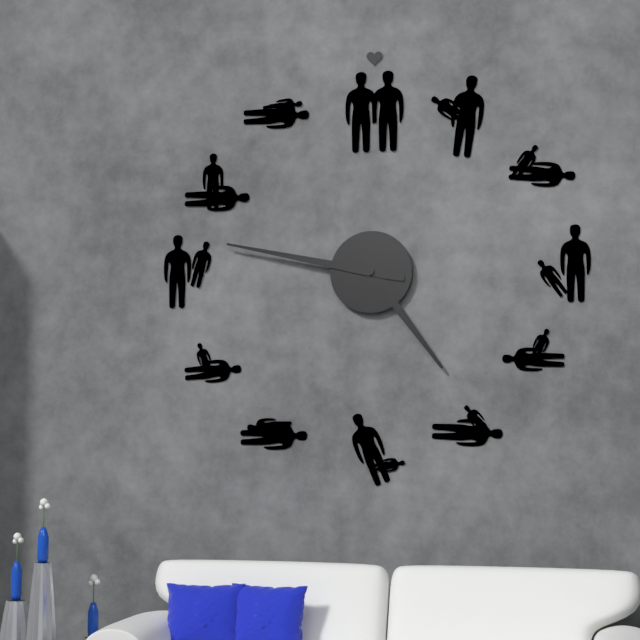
4.47
